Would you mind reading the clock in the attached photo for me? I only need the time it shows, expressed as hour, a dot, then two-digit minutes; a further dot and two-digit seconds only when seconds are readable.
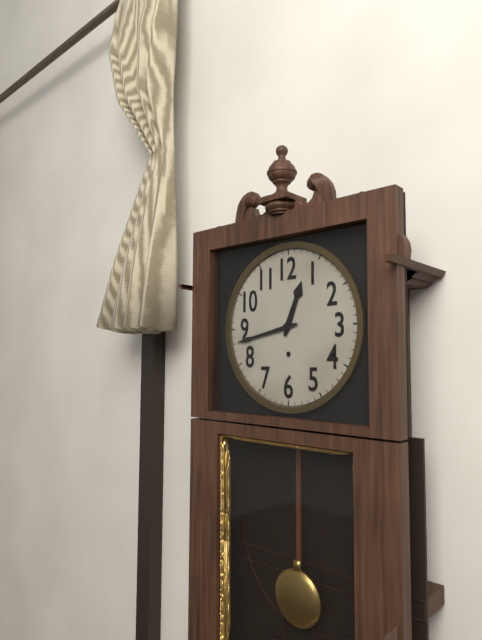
12.43
